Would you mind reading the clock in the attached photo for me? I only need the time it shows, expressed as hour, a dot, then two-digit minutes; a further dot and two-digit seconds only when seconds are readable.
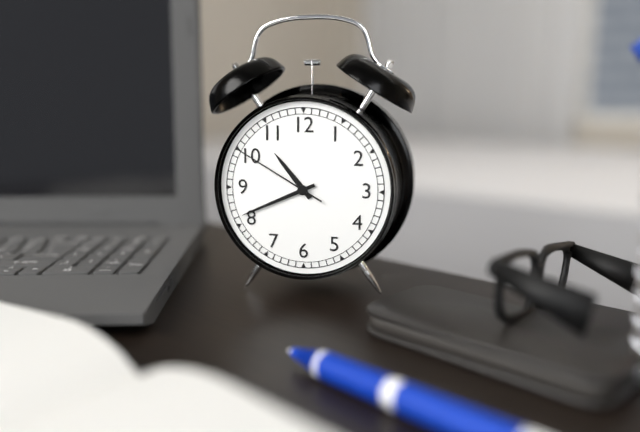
10.41.50
